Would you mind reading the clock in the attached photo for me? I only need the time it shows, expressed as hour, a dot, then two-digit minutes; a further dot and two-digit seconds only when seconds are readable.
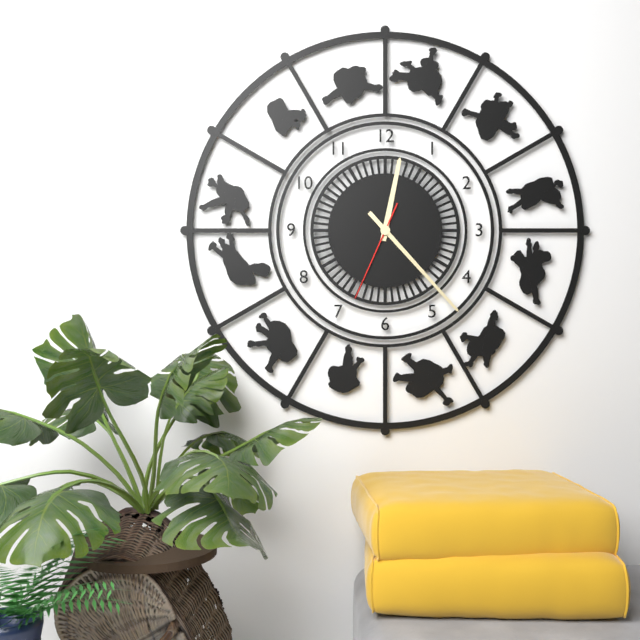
12.23.34
